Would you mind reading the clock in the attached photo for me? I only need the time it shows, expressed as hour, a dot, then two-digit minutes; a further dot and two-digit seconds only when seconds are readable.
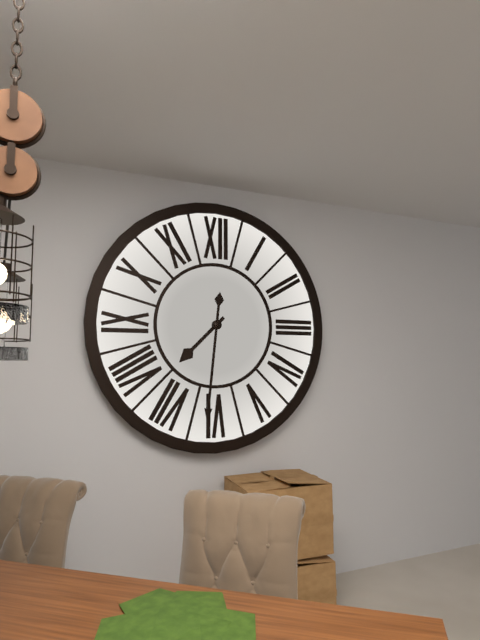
7.31
